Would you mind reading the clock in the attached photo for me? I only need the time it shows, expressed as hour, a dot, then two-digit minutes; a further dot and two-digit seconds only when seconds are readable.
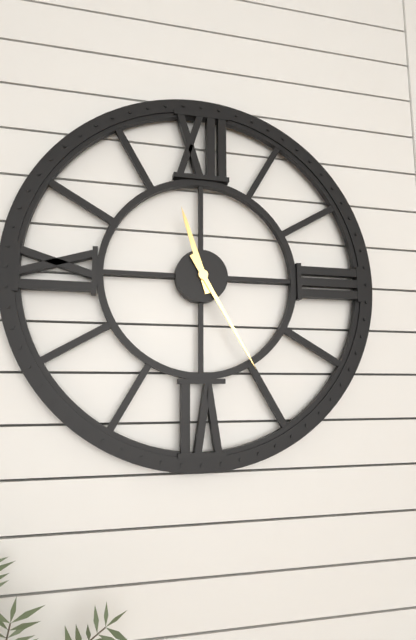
11.25
